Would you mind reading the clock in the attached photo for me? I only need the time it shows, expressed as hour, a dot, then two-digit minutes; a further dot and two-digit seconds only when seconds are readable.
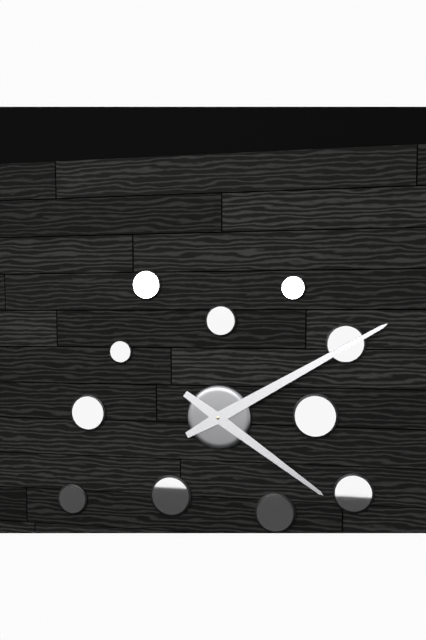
4.10
